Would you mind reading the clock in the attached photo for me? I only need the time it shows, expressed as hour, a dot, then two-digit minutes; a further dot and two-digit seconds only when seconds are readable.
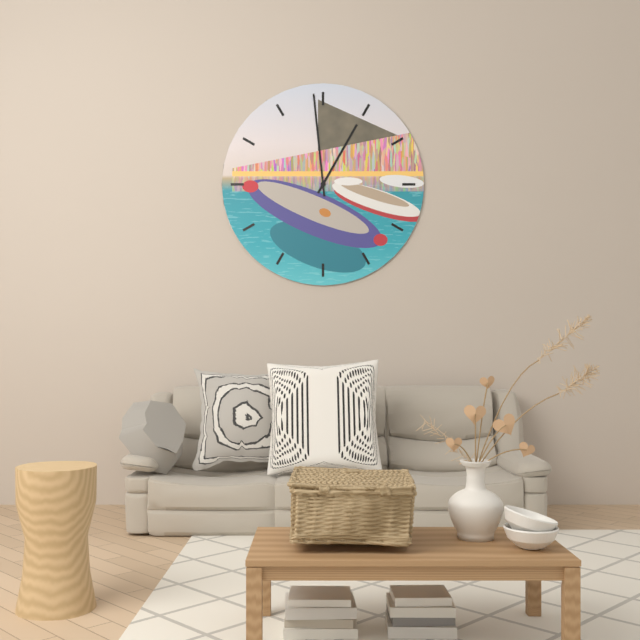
12.59
